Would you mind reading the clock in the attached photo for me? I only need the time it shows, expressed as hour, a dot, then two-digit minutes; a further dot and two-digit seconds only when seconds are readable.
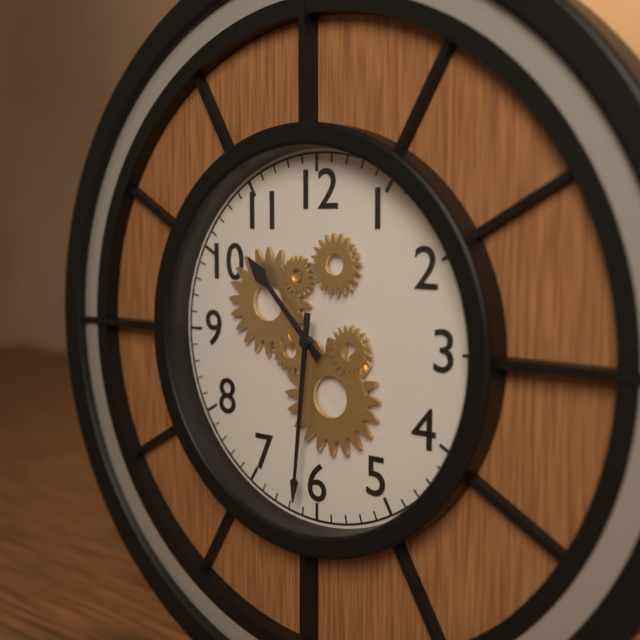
10.31
